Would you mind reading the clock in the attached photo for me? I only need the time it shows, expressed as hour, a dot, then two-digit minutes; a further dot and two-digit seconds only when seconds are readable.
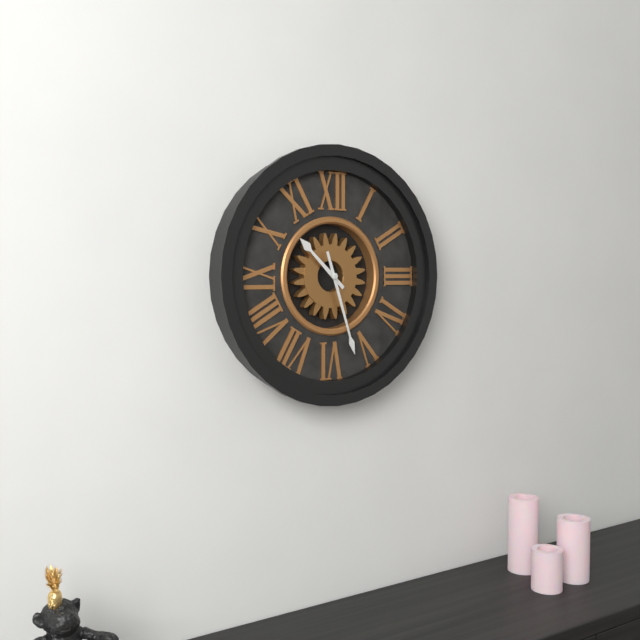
10.27
